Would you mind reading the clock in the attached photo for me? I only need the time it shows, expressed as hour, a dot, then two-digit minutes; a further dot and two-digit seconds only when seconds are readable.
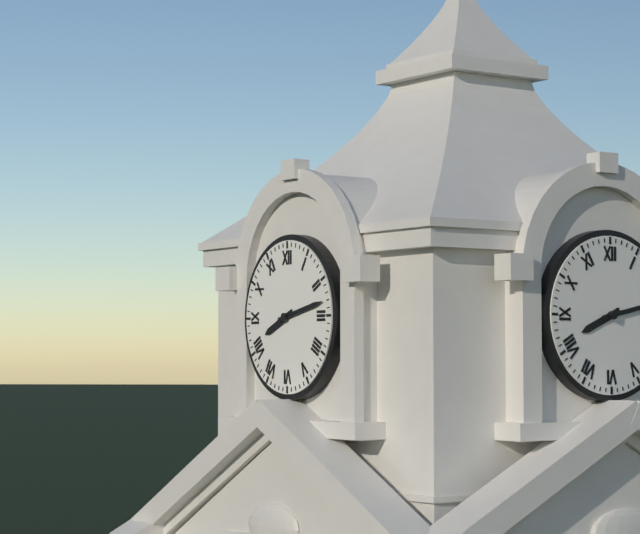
8.13
